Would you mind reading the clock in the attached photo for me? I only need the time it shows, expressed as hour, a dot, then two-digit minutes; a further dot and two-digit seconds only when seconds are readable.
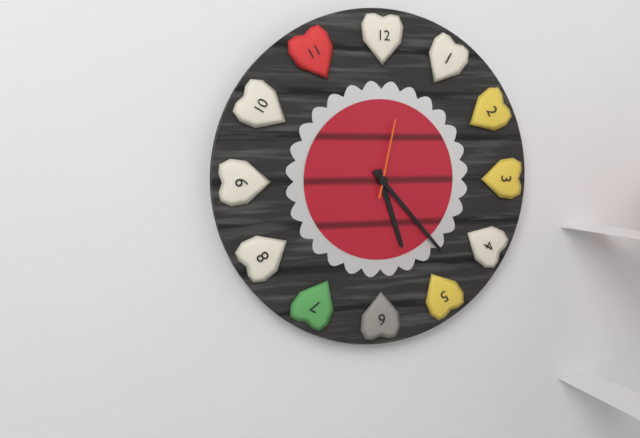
5.23.02
